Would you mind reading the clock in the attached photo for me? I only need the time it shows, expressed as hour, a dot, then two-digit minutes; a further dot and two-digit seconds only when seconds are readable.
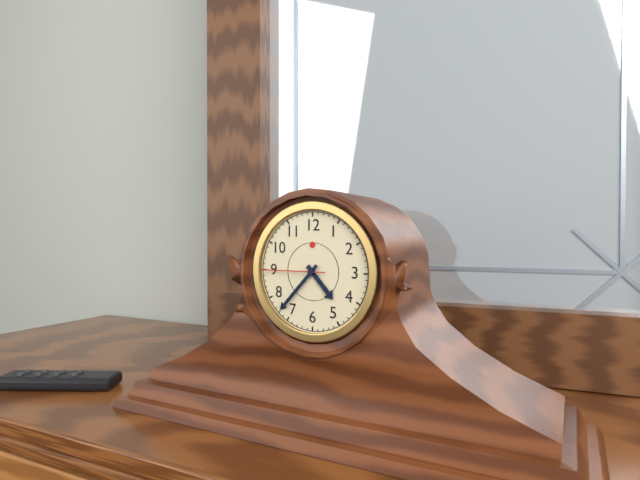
4.37.45
